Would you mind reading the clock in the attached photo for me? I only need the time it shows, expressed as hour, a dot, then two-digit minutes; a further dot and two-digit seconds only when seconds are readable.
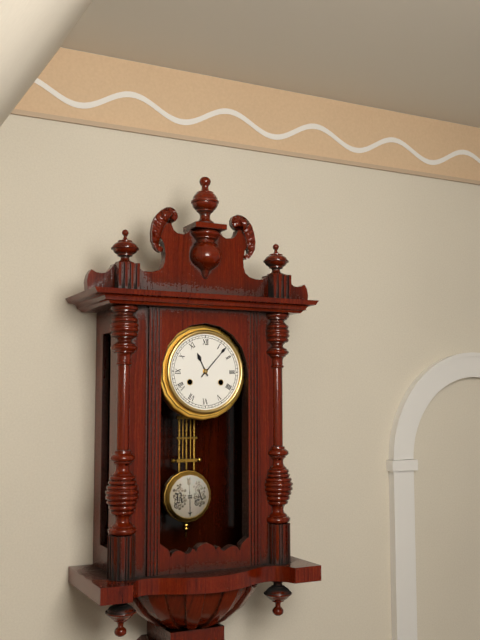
11.07
